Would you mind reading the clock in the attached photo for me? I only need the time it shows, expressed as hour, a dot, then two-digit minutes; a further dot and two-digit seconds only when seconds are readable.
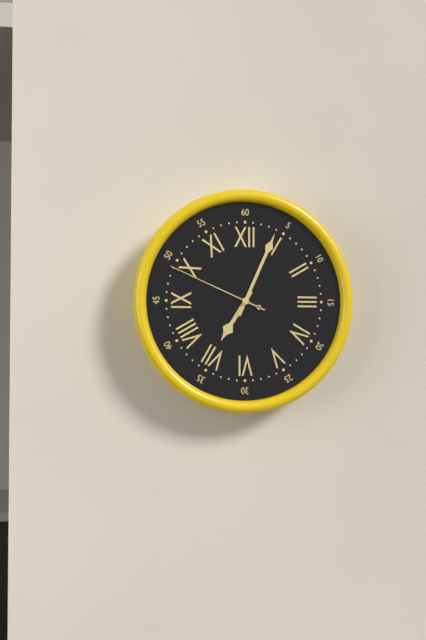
7.04.49
